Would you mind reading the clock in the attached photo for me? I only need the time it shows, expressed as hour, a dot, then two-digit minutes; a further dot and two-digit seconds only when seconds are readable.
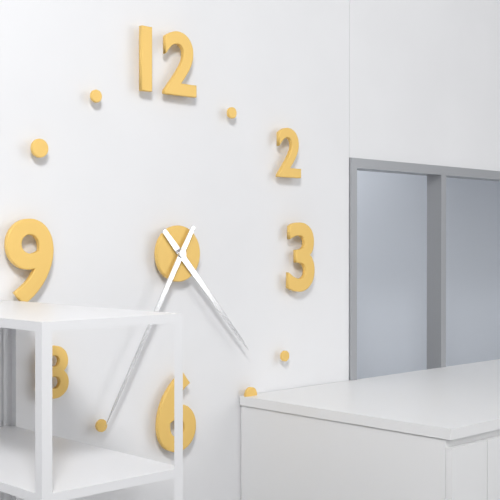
4.35
